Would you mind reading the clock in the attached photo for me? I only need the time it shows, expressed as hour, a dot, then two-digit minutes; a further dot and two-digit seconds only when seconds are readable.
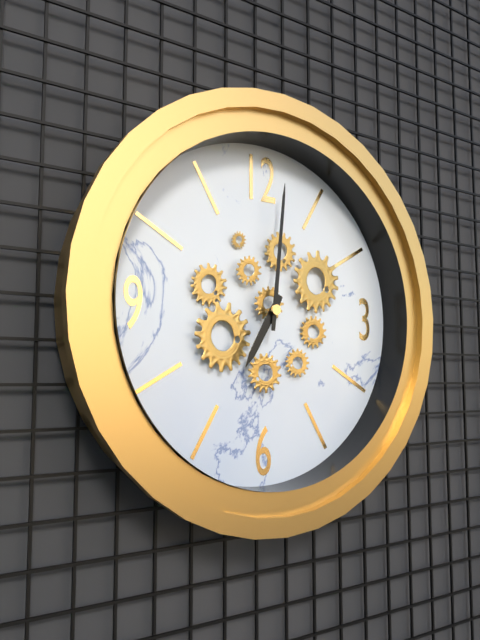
7.01
